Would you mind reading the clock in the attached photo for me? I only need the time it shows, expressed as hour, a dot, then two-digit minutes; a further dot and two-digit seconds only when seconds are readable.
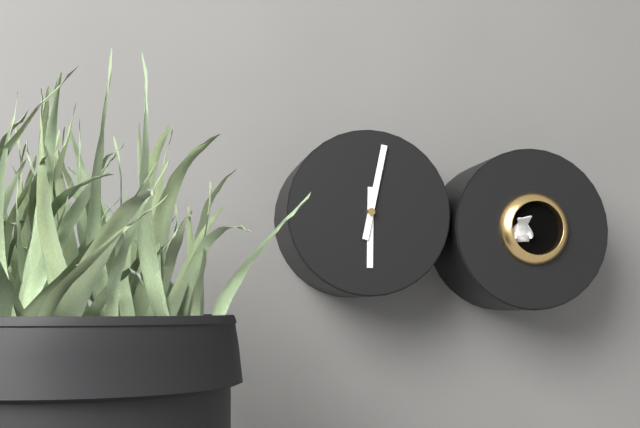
6.02
